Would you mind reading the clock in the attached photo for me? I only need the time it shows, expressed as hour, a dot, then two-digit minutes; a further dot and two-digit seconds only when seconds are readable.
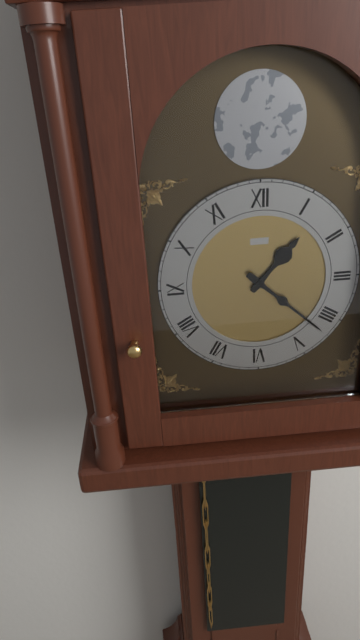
1.22
